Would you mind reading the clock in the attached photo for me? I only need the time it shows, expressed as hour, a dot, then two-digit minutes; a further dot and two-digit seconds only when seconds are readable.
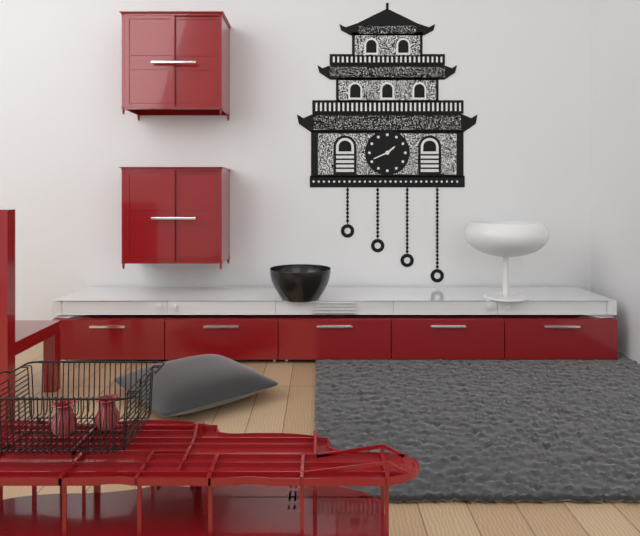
1.41
